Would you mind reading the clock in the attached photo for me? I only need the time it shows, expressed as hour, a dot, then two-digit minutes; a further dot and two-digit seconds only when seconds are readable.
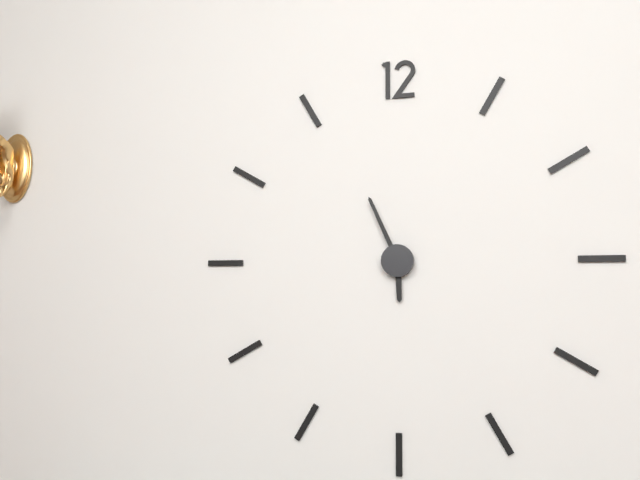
5.56
